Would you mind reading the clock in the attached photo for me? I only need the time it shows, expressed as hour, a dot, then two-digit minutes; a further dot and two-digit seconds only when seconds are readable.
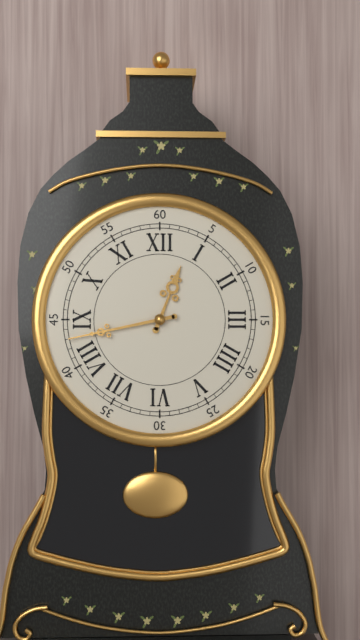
12.43
